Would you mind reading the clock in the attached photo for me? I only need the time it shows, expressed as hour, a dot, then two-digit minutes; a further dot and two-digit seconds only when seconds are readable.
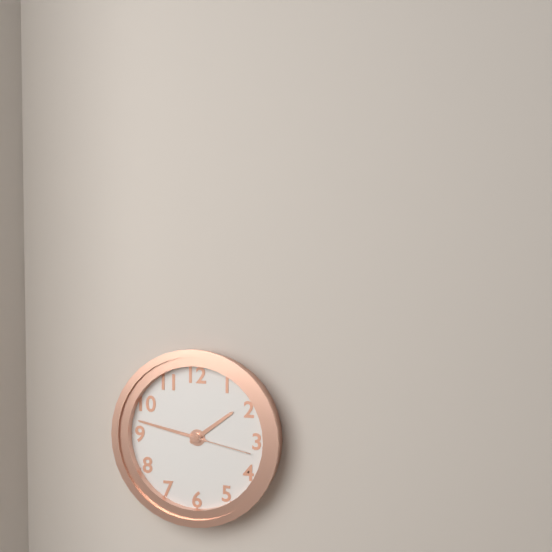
1.47.17
